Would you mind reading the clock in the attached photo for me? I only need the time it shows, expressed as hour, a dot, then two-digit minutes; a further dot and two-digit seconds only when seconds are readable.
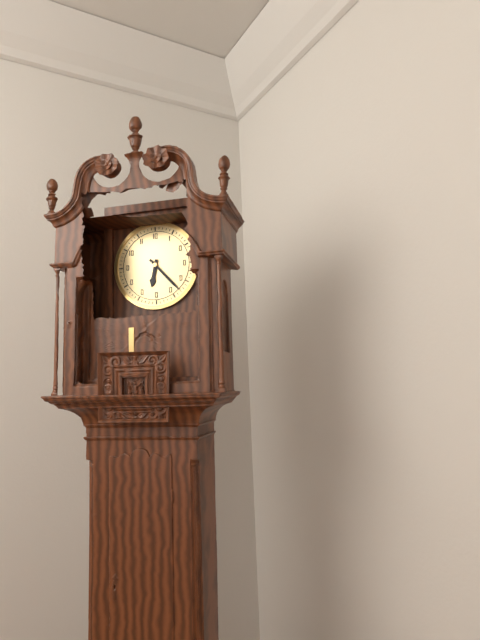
6.23
